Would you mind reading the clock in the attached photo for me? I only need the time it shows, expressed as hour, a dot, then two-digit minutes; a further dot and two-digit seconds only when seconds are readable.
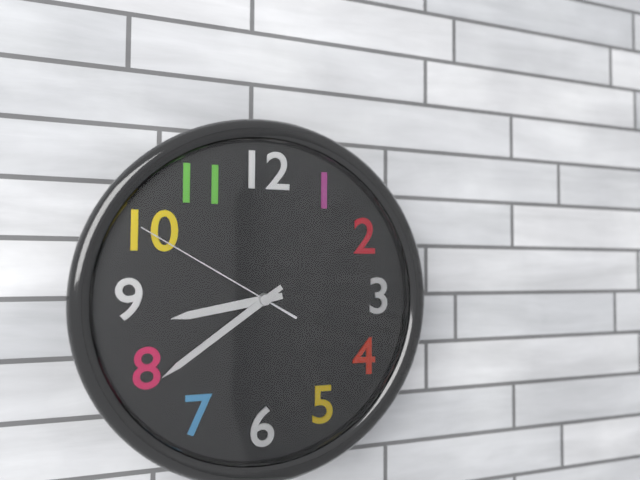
8.39.50
